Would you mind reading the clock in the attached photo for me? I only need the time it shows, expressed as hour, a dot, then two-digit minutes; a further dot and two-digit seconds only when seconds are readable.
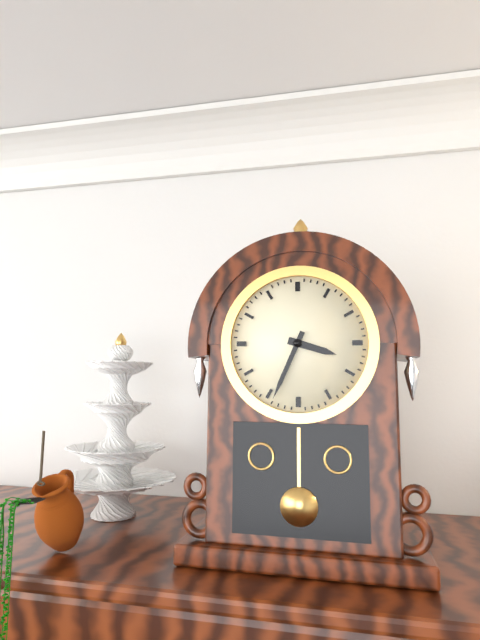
3.34
